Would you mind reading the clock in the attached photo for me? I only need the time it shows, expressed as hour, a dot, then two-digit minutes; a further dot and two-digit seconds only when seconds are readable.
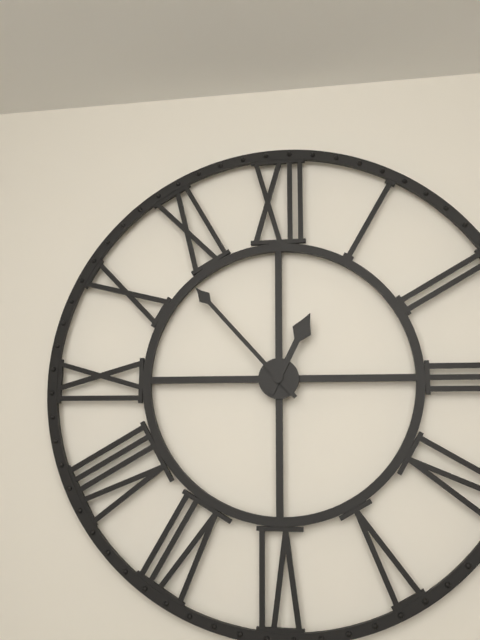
12.53
